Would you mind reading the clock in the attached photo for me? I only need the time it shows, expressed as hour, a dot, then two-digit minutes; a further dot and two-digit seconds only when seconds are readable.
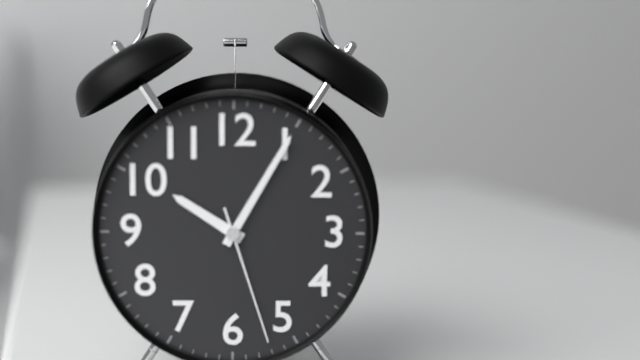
10.05.27
